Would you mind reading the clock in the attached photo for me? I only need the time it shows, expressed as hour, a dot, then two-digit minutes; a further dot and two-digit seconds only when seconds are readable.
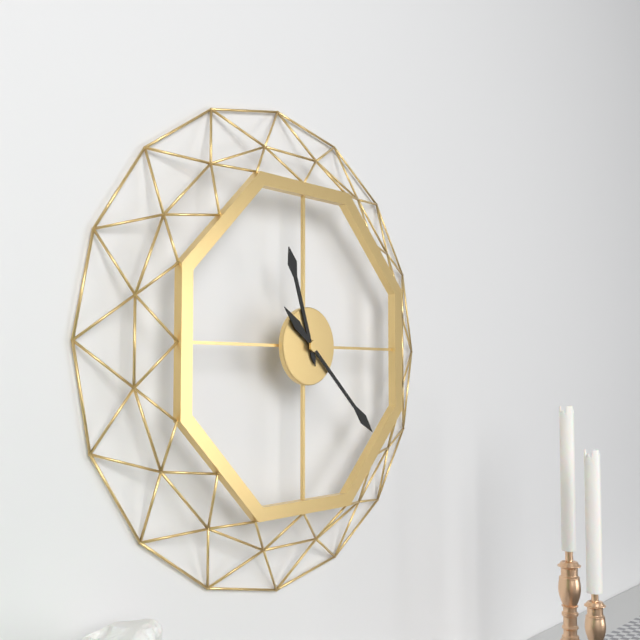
11.22
